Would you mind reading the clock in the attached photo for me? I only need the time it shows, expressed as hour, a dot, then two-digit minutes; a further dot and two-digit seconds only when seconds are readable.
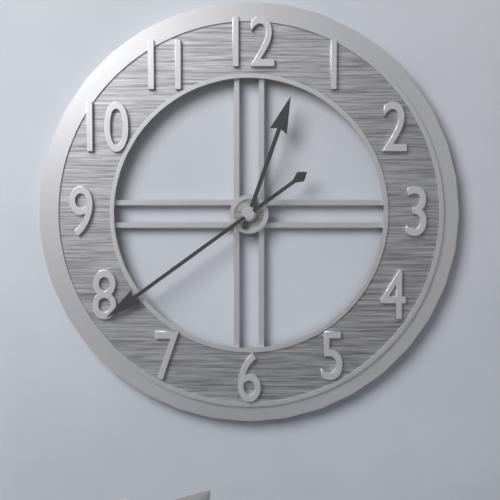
12.39
